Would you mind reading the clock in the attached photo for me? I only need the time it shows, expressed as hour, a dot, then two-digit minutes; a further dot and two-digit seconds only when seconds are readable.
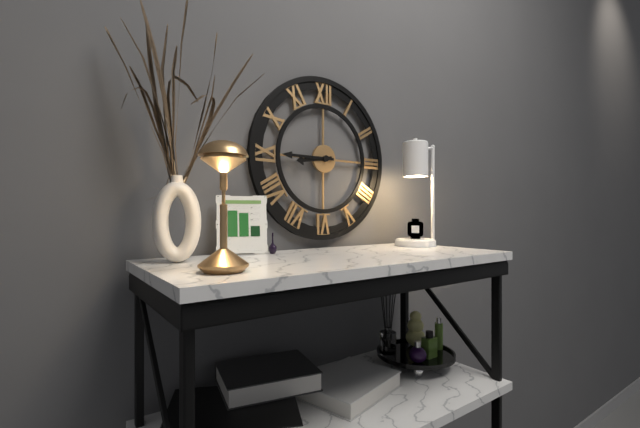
8.45
